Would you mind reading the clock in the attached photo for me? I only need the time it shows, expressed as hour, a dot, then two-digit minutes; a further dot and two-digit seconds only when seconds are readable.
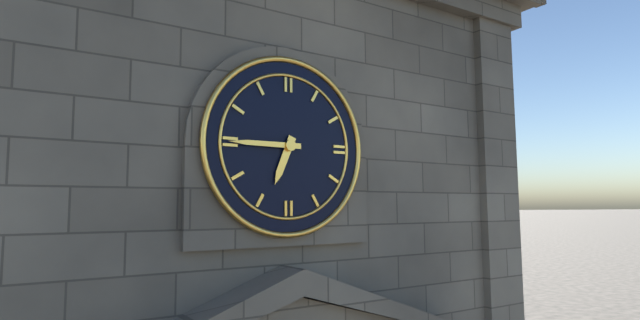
6.45
